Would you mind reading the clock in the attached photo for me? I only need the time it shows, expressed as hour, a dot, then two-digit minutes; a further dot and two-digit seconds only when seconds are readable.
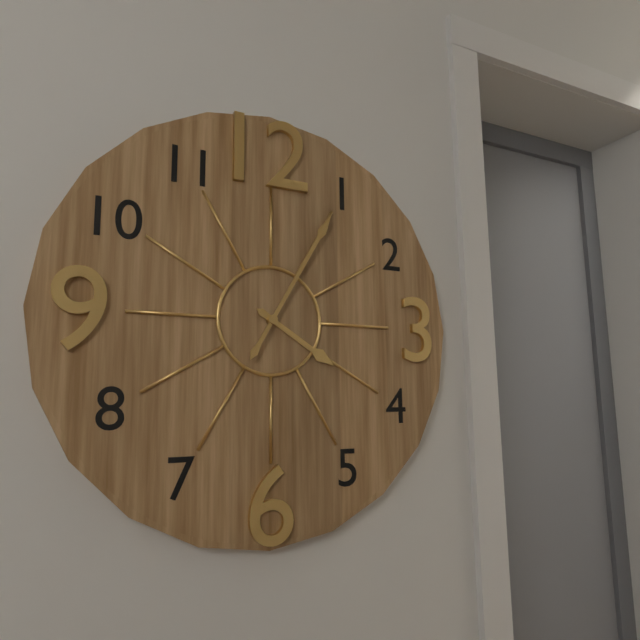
4.05
